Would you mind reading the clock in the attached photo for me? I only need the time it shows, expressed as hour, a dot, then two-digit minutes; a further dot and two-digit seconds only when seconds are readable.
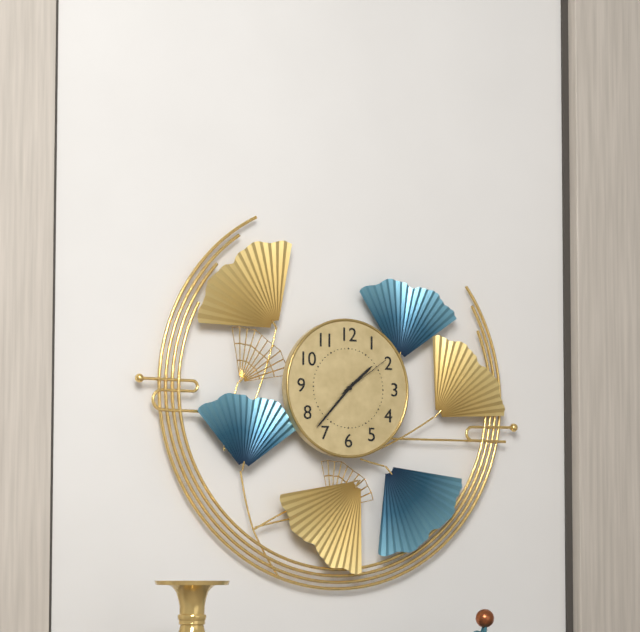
1.37.09
